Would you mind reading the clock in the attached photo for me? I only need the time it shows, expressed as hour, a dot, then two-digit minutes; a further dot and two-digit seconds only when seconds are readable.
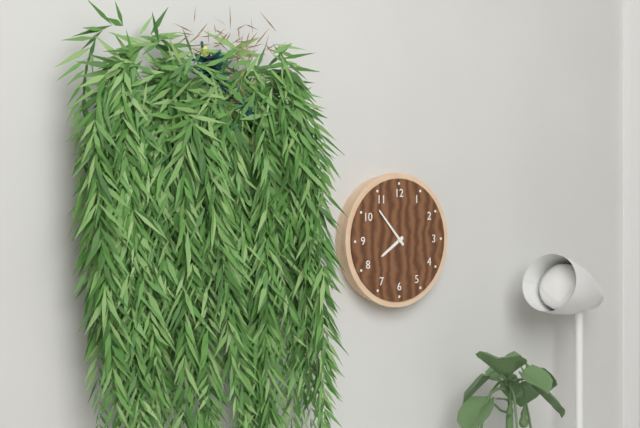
7.53
